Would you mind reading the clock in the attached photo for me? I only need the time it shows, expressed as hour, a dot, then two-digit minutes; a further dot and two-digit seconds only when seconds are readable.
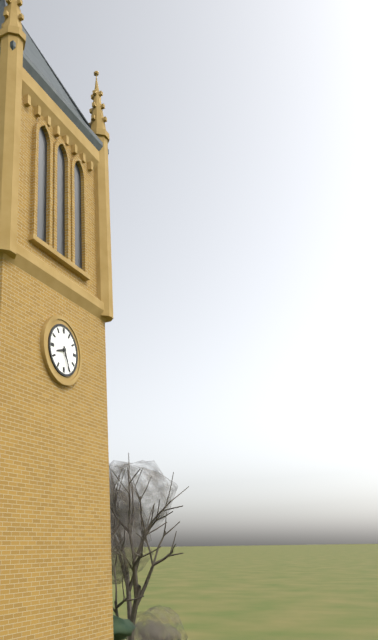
8.26
